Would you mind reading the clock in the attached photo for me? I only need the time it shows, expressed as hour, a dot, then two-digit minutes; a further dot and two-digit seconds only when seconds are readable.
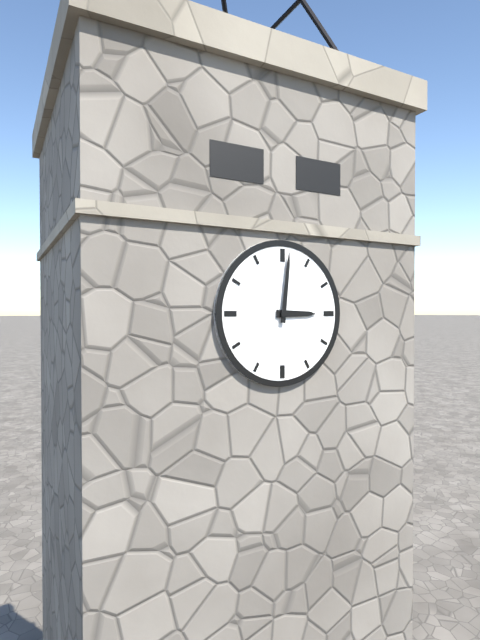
3.01
